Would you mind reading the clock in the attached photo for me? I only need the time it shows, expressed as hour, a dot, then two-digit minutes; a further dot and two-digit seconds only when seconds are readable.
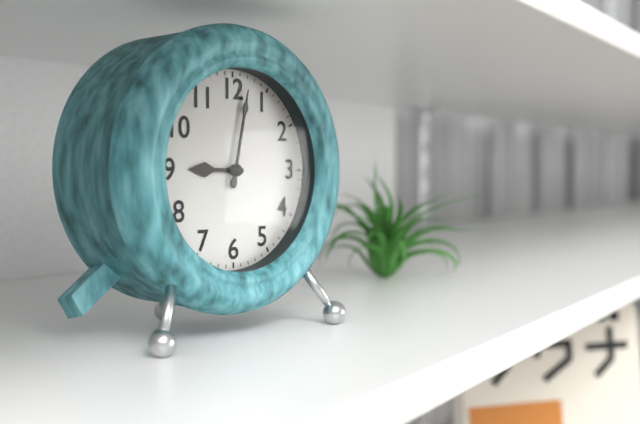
9.02
